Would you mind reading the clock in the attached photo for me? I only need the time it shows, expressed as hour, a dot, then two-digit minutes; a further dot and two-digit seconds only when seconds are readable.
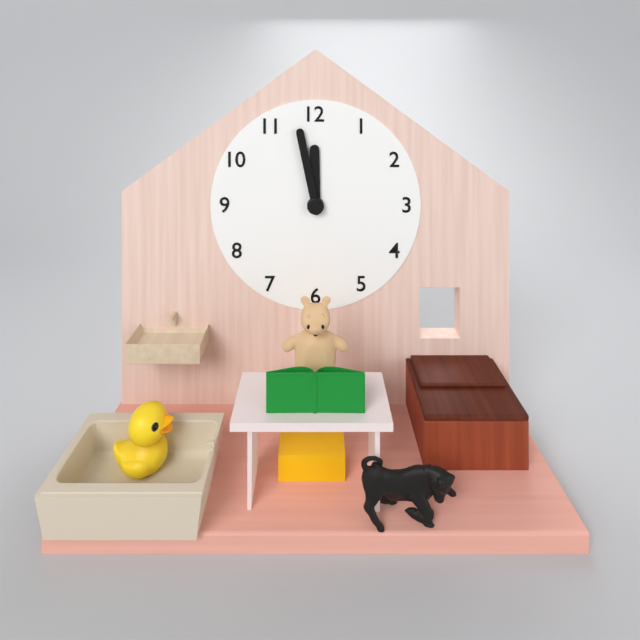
11.58
